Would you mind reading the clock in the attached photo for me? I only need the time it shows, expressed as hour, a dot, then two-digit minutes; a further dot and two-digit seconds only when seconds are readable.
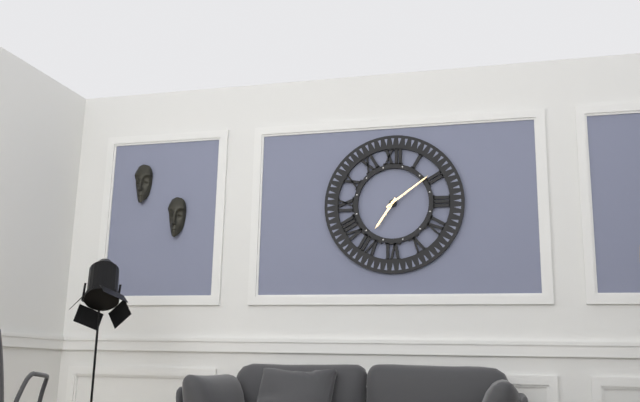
7.09
